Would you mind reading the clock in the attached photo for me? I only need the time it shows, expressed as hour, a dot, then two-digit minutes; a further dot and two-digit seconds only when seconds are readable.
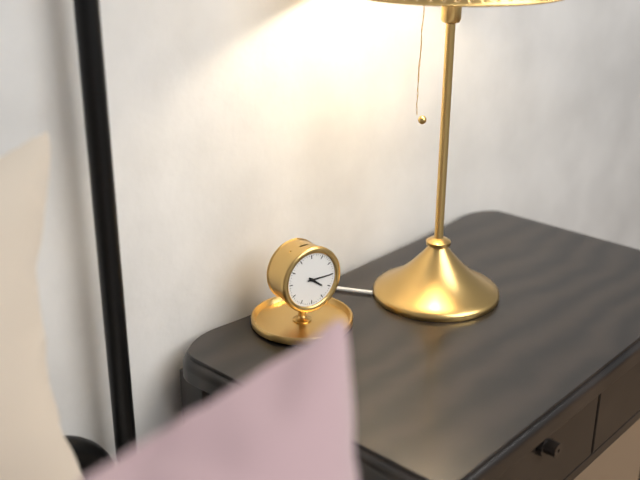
4.15
